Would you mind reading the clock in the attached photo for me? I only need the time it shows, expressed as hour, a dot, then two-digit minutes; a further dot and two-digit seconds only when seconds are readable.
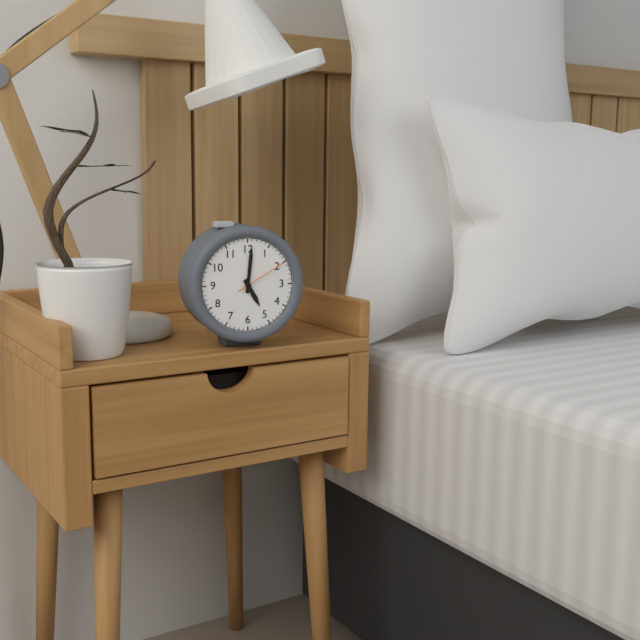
5.01.10
